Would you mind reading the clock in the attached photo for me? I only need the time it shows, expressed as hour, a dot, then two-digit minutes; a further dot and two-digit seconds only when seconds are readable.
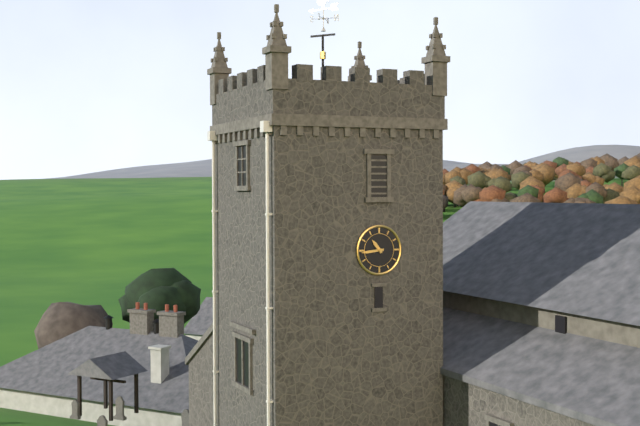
10.44
